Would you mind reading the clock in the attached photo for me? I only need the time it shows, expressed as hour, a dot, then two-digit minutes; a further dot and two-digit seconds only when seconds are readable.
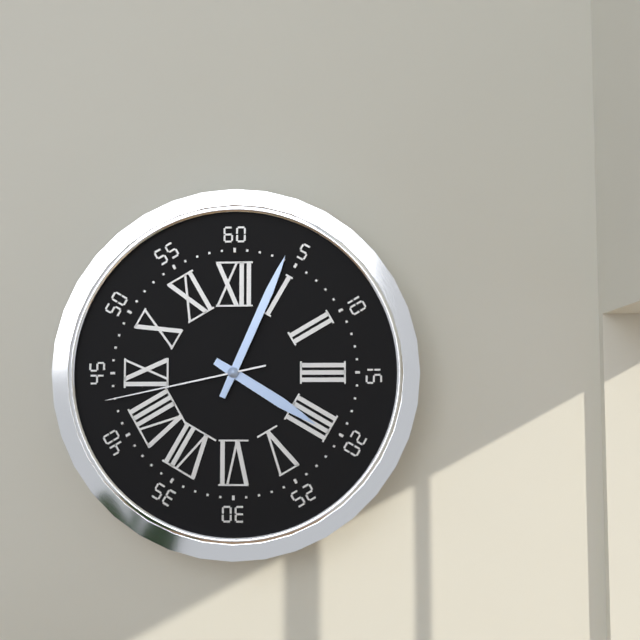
4.04.43
